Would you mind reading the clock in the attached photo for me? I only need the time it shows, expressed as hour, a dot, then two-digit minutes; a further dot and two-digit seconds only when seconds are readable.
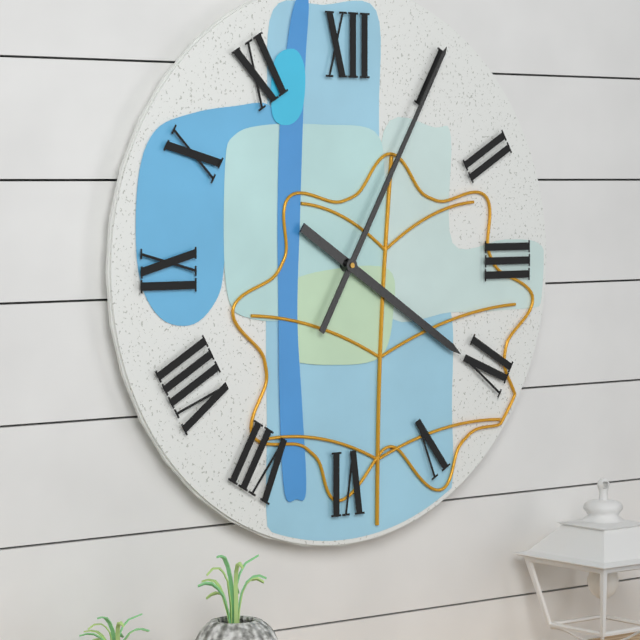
4.05
